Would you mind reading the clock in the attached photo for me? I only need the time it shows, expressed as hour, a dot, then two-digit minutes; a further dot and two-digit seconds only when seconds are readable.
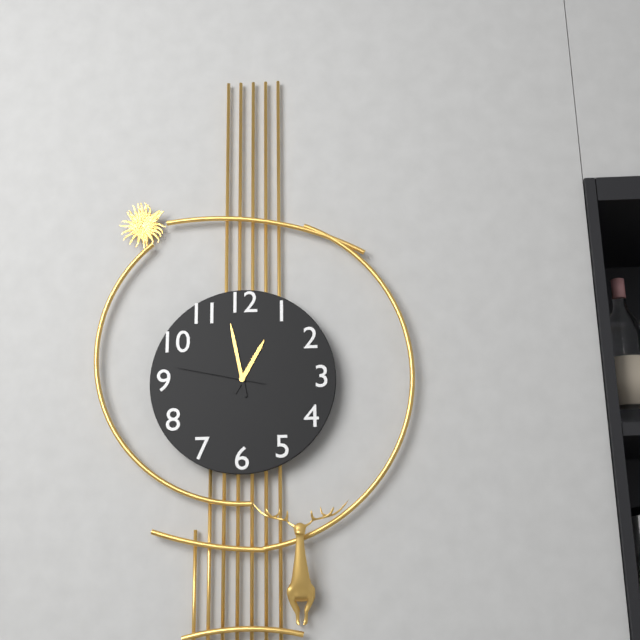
12.58.47
